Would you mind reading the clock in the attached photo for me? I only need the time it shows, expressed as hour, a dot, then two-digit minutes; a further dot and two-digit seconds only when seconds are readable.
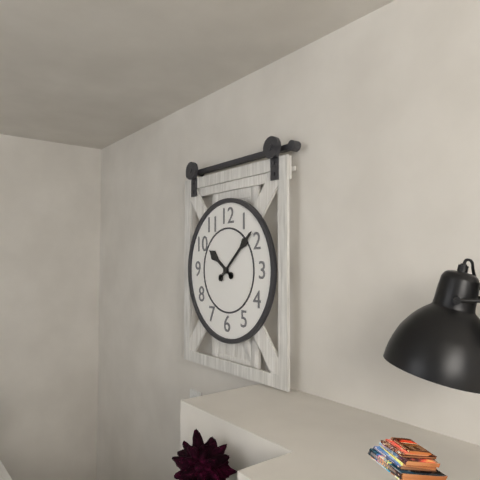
10.08
